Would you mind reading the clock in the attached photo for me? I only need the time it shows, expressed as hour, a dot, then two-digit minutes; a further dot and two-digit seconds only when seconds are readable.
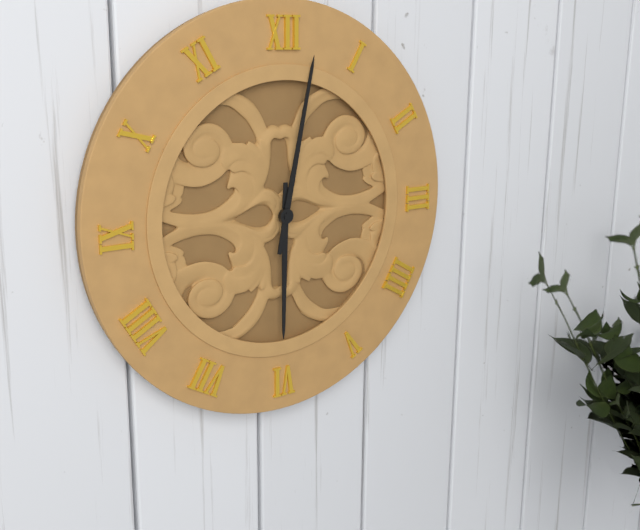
6.02
